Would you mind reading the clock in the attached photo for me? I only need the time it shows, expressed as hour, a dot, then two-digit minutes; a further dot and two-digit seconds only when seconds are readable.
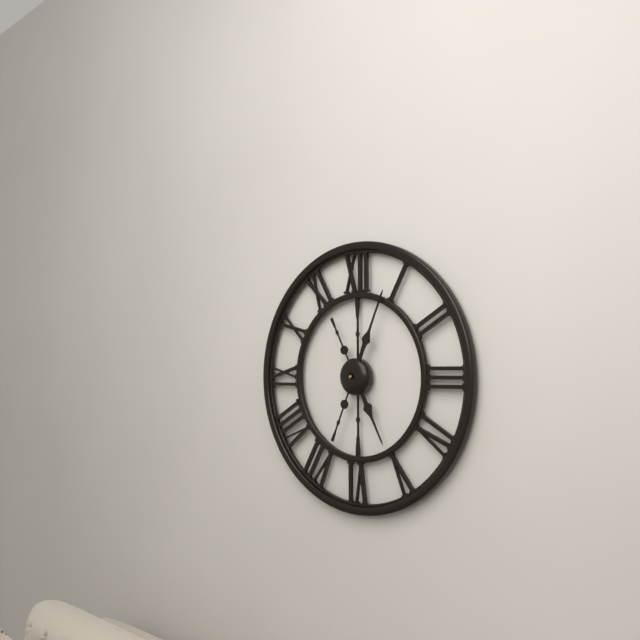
5.04
